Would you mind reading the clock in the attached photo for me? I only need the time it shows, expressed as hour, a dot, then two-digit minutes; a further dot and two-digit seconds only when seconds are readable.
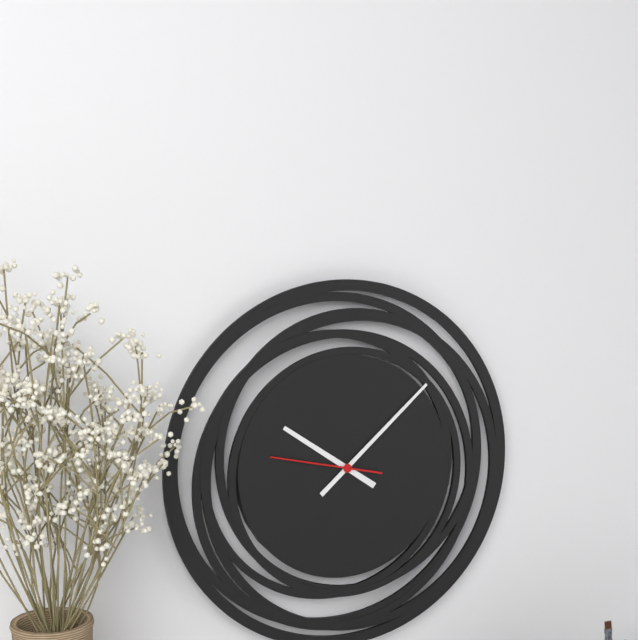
10.08.47
